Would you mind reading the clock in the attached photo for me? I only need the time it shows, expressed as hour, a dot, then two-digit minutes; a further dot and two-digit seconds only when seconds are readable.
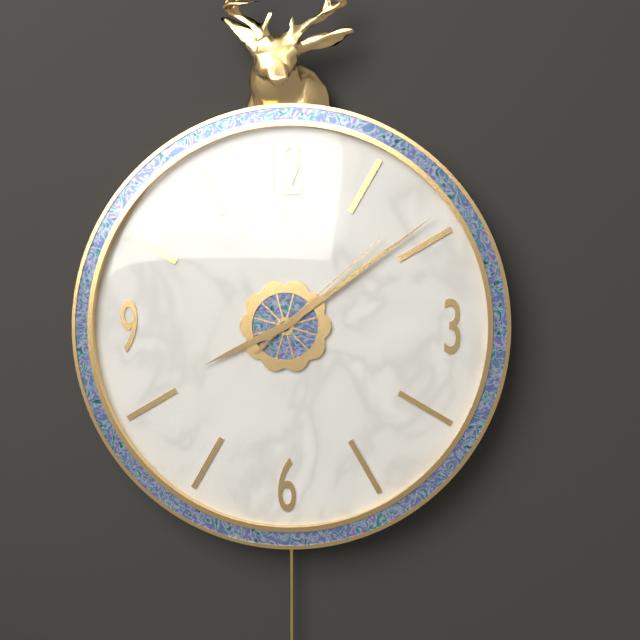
8.09.08
